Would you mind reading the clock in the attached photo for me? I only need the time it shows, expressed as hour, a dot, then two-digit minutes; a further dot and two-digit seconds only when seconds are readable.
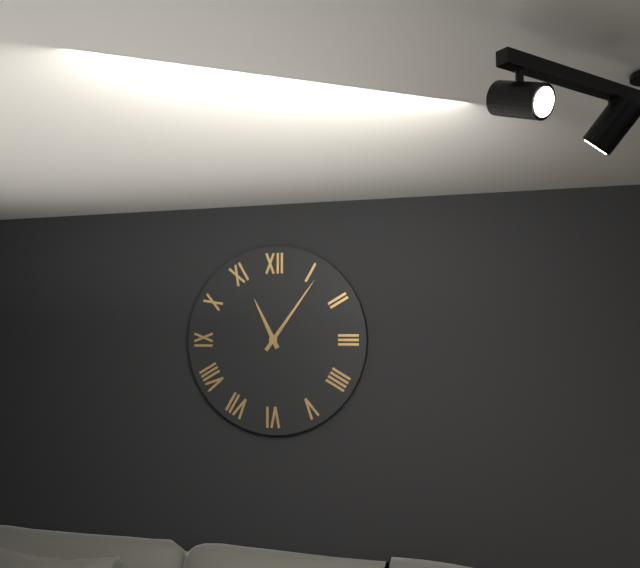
11.06
